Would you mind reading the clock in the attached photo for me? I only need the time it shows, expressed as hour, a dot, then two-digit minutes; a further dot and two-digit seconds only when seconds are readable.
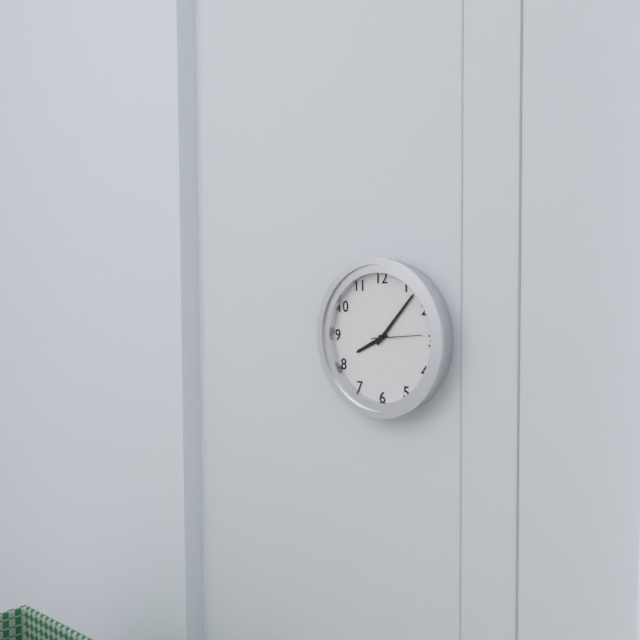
8.07.14
